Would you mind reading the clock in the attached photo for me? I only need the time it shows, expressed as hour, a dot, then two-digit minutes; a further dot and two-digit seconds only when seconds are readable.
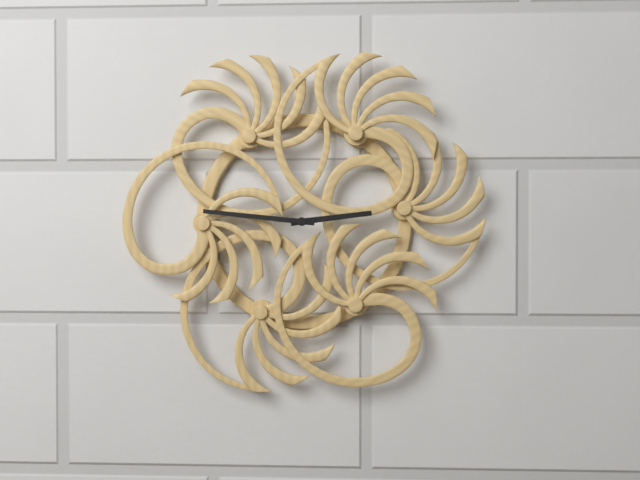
2.46
